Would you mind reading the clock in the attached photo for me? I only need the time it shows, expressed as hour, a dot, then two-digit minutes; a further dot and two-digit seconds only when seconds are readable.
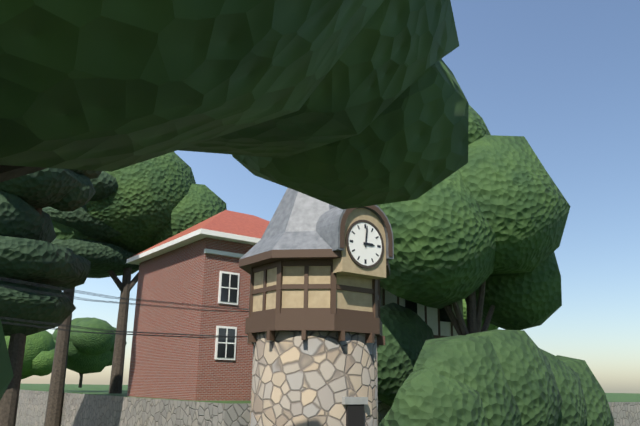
3.01
